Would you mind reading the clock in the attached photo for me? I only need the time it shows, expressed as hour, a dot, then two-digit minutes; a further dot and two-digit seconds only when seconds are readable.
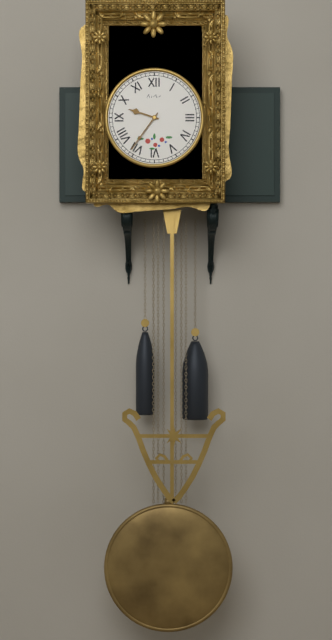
9.36
